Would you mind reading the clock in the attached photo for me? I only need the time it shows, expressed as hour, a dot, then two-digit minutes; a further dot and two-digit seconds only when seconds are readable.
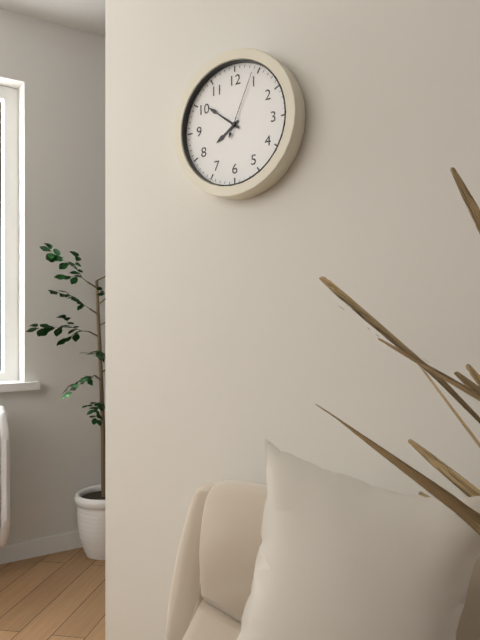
7.51.04
